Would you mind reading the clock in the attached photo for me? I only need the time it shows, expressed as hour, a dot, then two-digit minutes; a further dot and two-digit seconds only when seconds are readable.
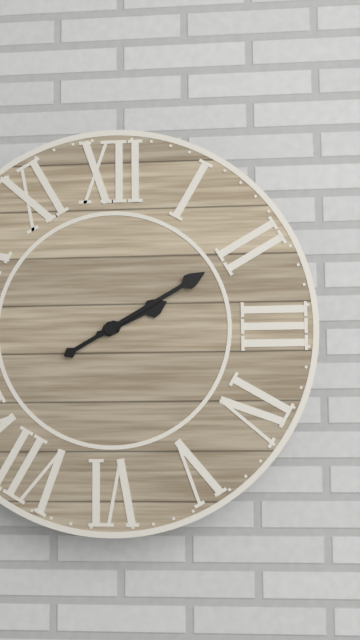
2.10
